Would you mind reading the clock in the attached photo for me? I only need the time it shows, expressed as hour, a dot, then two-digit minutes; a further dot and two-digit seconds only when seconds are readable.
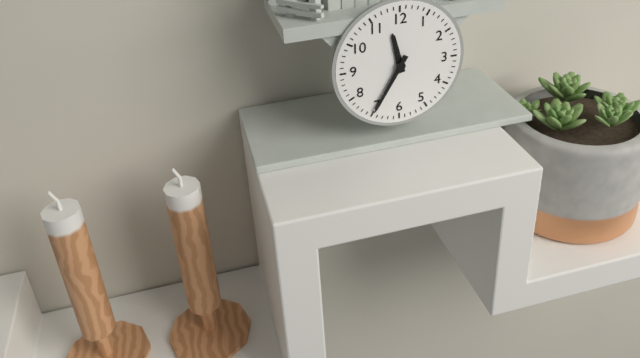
11.35
